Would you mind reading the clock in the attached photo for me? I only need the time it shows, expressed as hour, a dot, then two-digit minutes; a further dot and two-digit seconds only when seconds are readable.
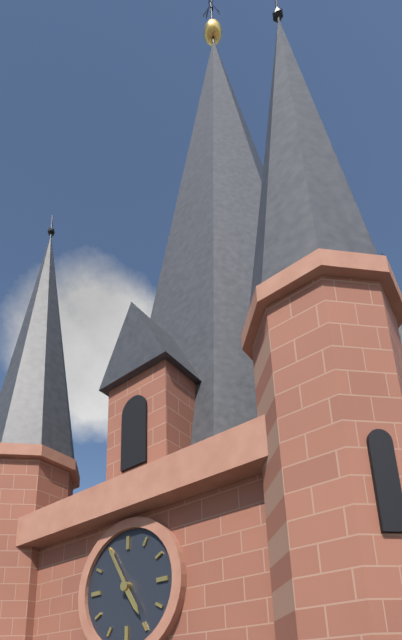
4.55
